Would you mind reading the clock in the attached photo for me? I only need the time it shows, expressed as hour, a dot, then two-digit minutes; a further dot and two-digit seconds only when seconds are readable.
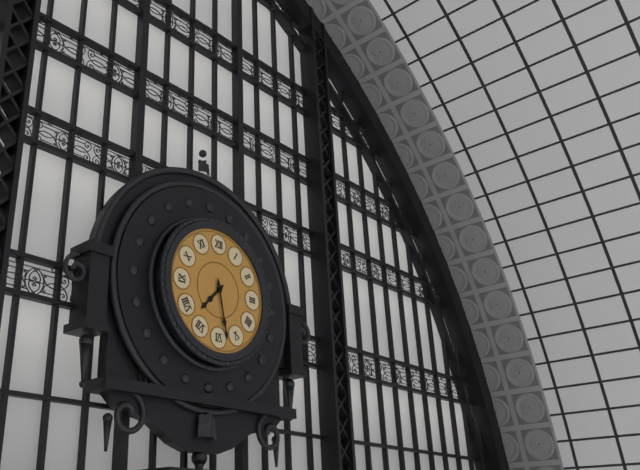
7.28
